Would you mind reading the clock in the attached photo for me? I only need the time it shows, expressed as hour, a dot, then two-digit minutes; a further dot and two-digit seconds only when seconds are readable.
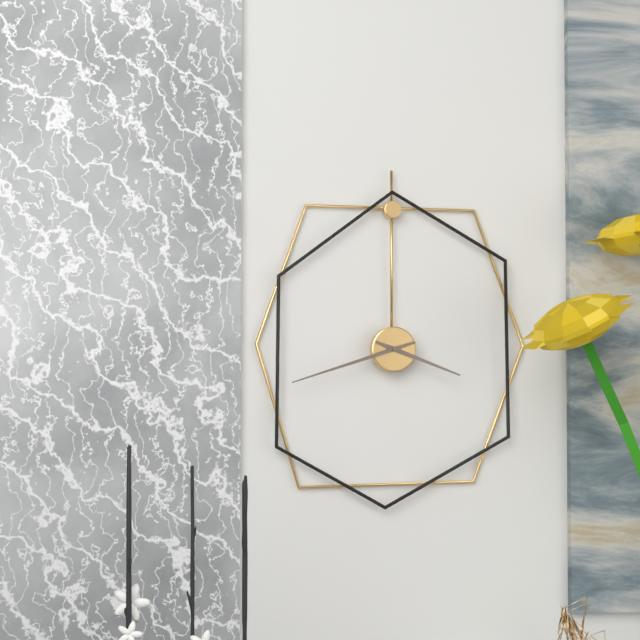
3.42
